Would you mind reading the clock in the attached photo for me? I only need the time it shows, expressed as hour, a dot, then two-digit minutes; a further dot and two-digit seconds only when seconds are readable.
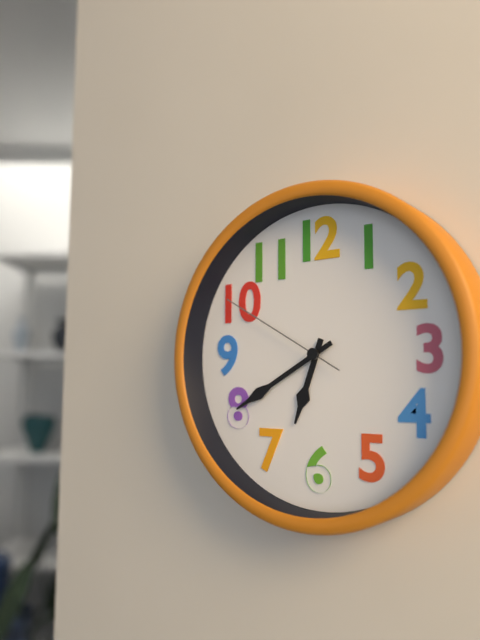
6.40.50
